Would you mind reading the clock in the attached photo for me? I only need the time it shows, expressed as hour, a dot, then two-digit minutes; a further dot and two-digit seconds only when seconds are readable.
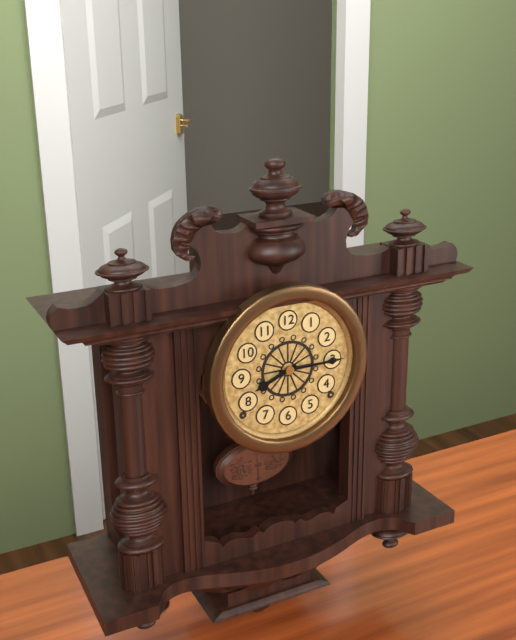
8.15
